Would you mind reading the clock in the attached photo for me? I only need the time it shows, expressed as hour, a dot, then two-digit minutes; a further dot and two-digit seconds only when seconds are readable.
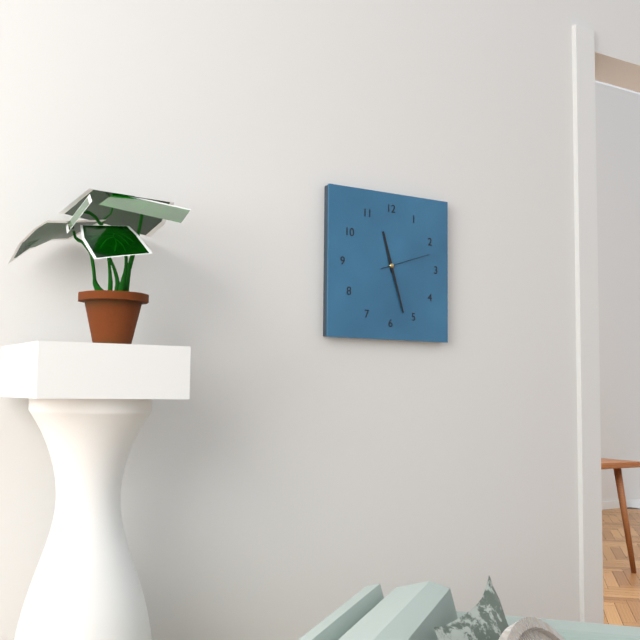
11.27
